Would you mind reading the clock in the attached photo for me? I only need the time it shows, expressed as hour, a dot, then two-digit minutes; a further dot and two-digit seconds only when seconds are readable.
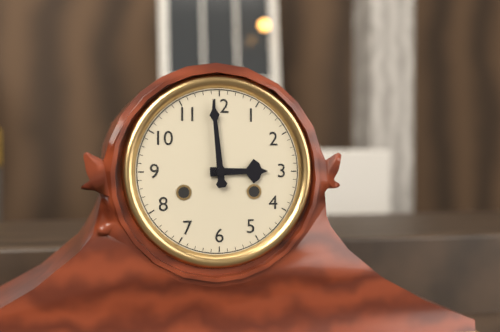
2.59
